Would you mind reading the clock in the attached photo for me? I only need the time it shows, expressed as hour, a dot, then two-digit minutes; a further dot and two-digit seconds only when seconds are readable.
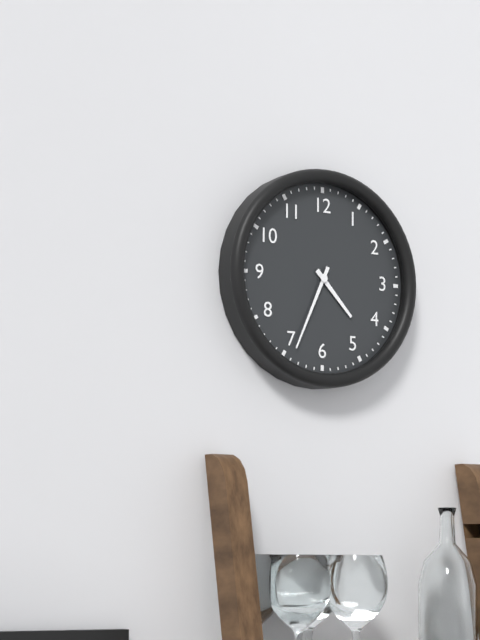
4.34
